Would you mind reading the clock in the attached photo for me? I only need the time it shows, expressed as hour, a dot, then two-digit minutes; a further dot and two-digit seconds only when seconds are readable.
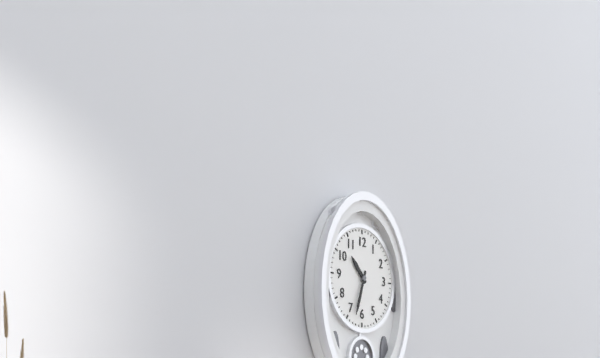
10.33
